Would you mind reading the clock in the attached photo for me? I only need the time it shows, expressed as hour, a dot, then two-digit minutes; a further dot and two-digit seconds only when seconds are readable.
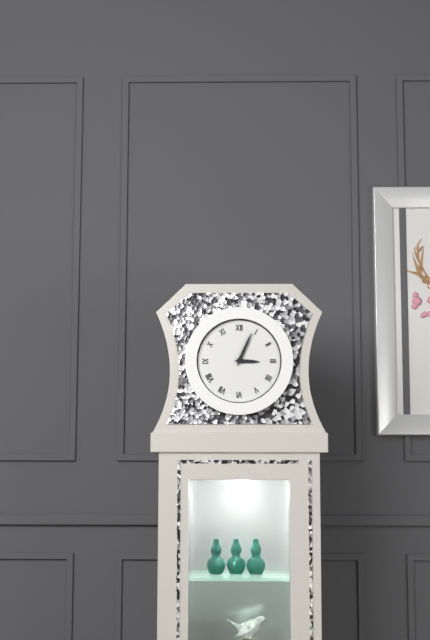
3.04
